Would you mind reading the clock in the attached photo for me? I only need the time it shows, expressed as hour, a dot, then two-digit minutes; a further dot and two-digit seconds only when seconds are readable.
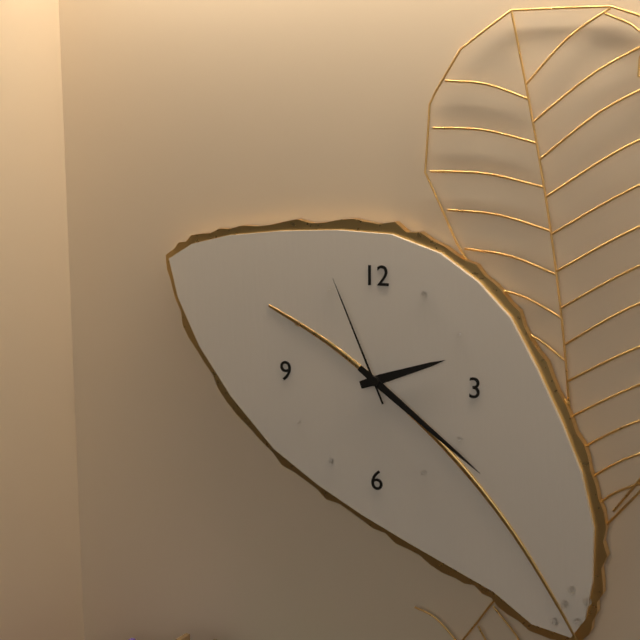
2.21.56
